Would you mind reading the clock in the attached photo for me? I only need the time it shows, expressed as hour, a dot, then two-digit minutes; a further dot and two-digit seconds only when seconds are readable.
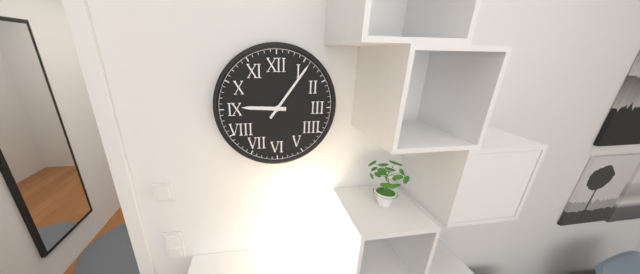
9.06
